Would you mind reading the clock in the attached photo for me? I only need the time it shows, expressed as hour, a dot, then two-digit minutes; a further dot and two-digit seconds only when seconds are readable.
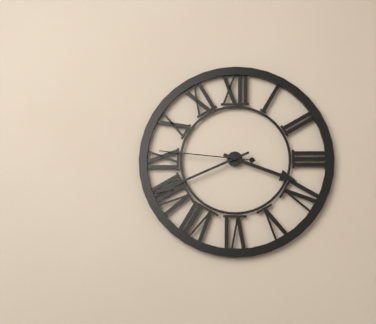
3.41.46
